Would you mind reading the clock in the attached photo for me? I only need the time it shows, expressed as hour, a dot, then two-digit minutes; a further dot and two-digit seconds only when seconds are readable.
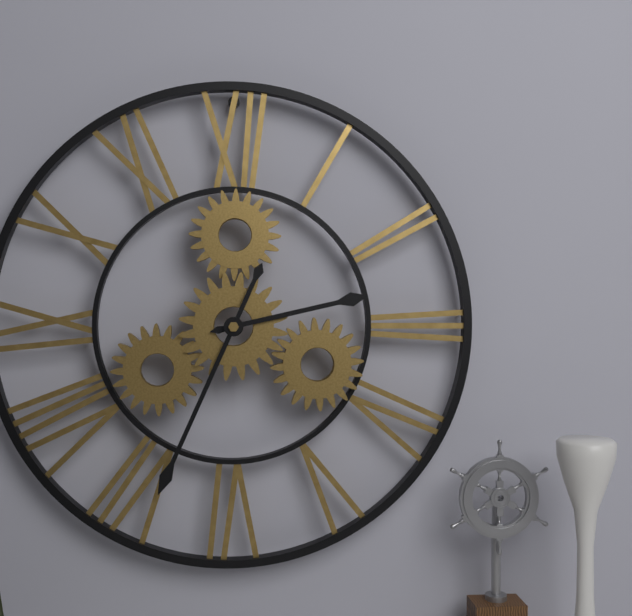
2.34
